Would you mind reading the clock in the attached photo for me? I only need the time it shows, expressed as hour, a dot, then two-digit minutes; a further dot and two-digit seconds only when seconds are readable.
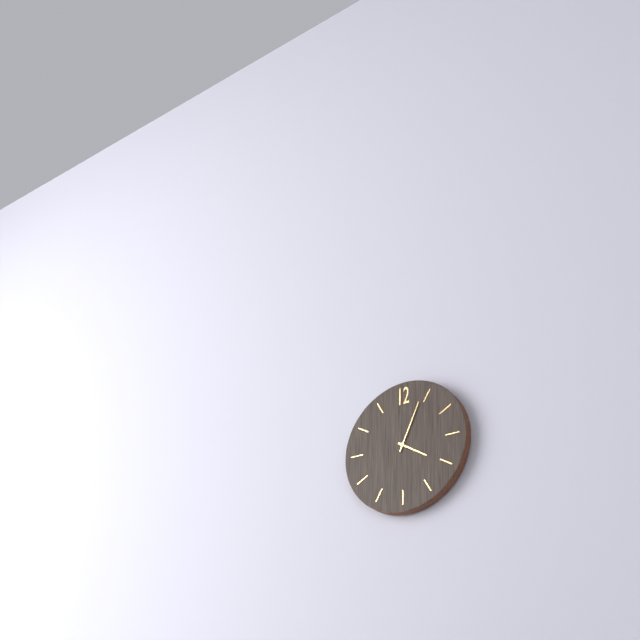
4.04
